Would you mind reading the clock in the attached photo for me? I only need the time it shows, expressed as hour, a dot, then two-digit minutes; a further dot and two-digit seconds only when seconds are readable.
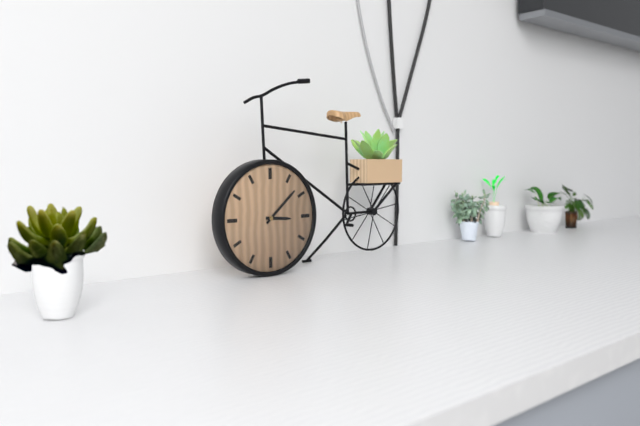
3.08
